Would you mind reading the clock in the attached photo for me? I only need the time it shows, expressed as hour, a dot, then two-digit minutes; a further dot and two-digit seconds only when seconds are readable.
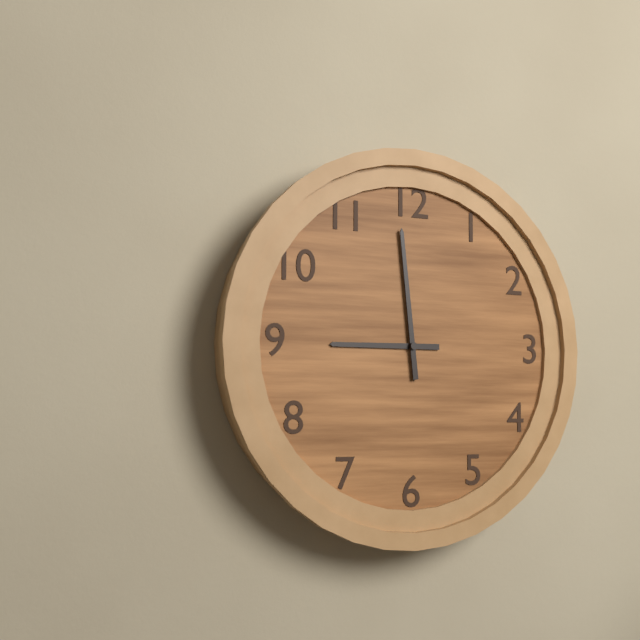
8.59
